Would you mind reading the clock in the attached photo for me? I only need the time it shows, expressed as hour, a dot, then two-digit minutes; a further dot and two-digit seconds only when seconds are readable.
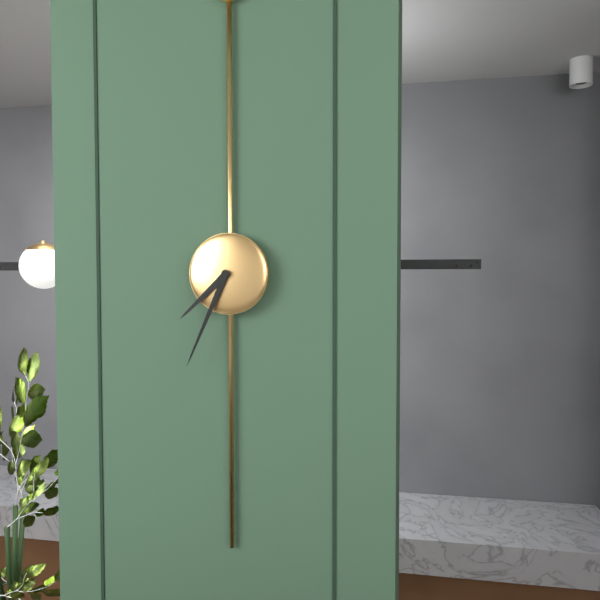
7.34
